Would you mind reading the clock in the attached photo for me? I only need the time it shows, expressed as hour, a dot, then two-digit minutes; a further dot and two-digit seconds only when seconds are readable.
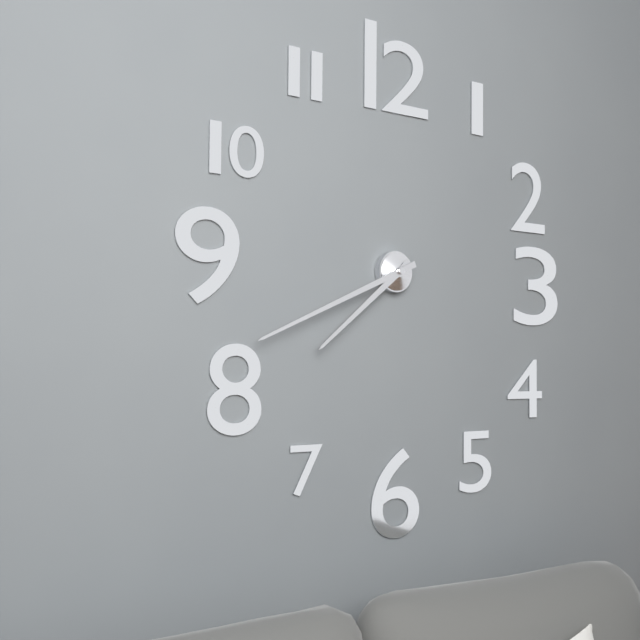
7.41
